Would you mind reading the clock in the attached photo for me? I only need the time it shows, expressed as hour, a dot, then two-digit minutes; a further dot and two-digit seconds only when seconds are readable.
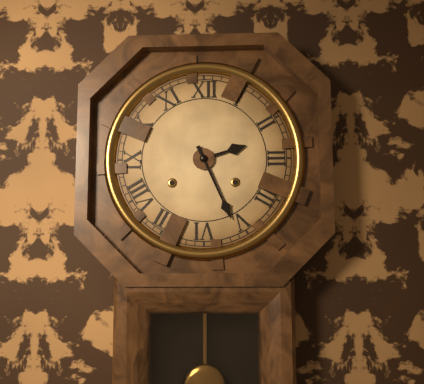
2.26
